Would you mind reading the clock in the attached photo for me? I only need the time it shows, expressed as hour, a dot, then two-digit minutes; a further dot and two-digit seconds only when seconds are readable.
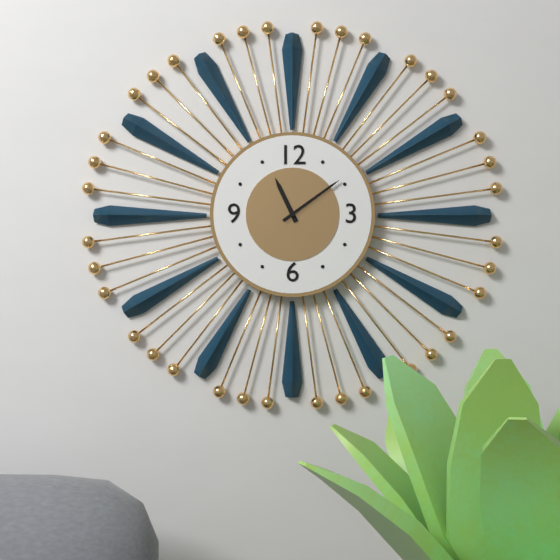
11.09
